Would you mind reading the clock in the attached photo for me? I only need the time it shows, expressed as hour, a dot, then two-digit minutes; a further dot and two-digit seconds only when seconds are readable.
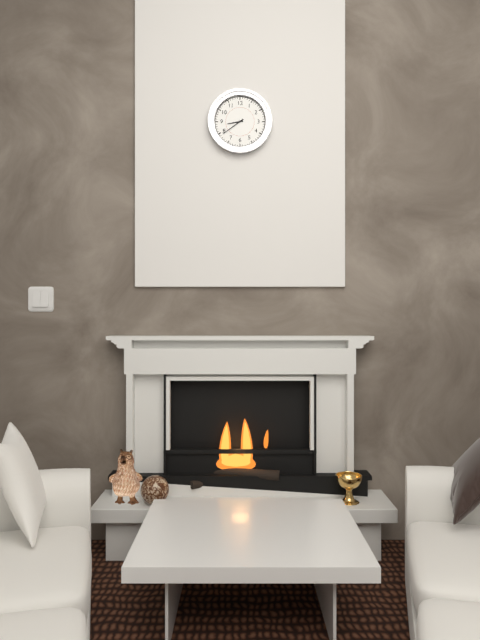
8.39
